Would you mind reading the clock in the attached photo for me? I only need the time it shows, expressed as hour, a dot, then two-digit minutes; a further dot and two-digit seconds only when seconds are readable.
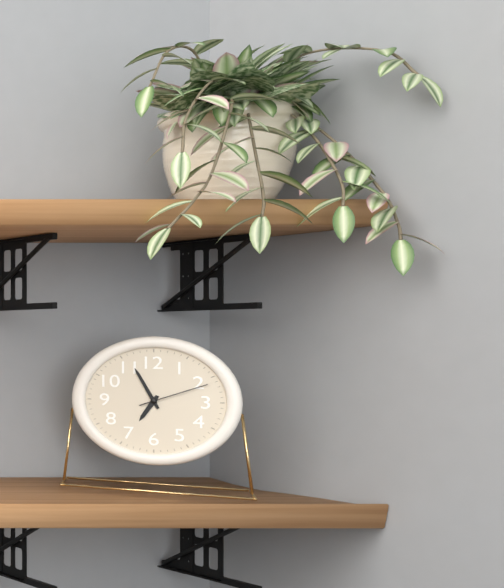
6.56.11
